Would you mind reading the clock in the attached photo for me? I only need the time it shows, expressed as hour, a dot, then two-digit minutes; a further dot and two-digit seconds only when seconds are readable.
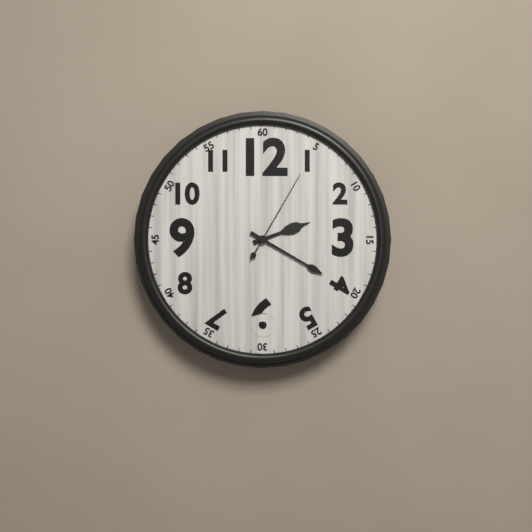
2.20.05
